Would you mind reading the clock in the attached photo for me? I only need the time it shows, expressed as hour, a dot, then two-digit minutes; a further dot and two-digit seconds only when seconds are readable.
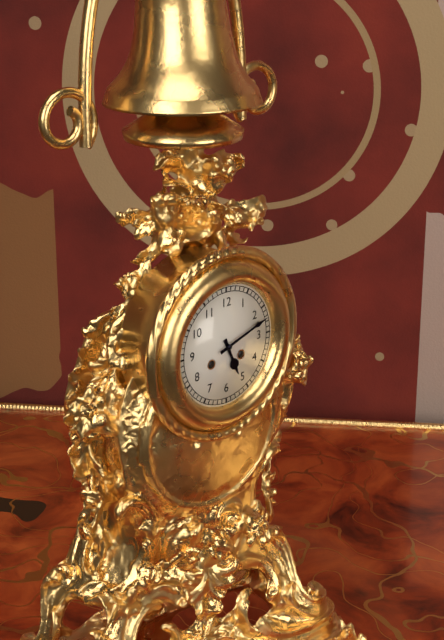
5.12
